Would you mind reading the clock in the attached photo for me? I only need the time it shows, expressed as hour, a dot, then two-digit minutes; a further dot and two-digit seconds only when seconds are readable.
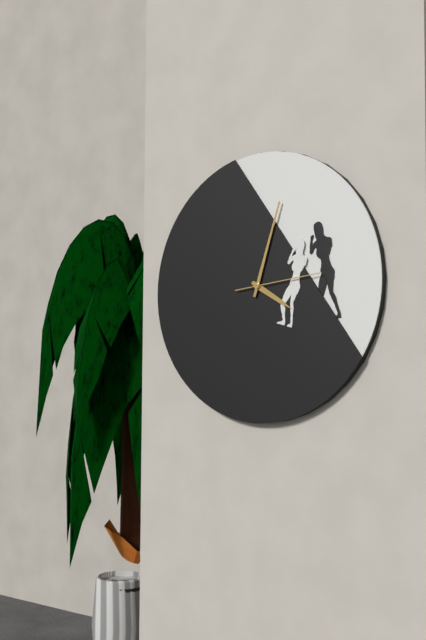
4.03.14
